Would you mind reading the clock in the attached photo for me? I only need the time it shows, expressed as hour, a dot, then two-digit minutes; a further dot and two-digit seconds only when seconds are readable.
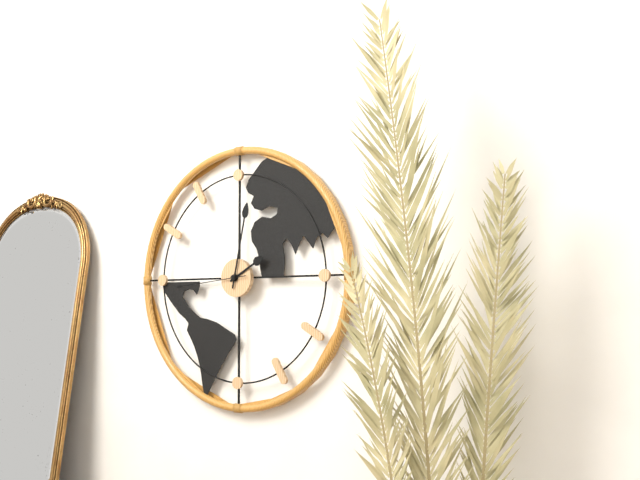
2.02.44
